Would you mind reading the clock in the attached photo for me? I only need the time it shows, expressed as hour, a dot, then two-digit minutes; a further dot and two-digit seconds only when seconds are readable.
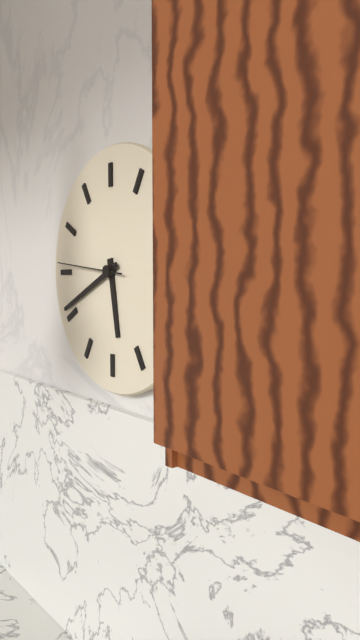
5.41.46
